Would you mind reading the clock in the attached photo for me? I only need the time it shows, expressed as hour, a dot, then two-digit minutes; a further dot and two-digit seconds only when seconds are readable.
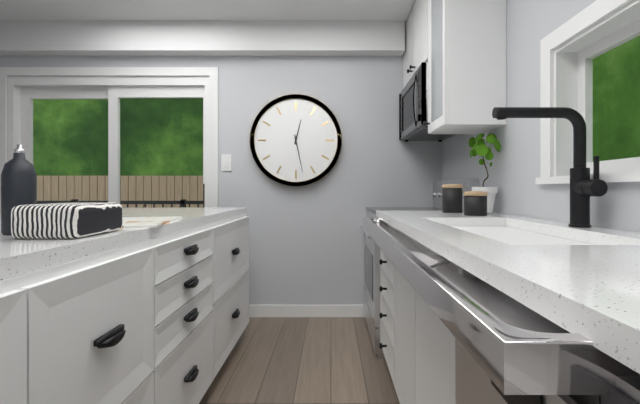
12.28
